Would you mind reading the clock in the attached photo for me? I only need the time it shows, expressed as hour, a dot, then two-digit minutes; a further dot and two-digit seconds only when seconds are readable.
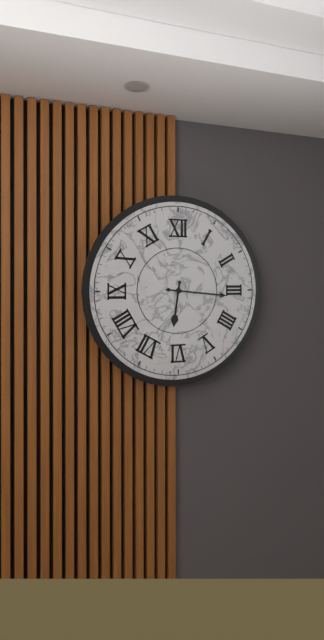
6.16
